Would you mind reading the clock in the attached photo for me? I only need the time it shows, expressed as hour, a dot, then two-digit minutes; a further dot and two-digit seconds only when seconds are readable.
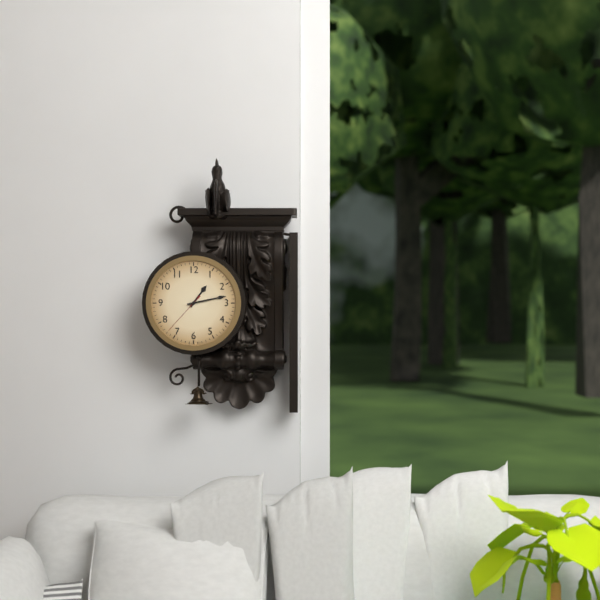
1.13
